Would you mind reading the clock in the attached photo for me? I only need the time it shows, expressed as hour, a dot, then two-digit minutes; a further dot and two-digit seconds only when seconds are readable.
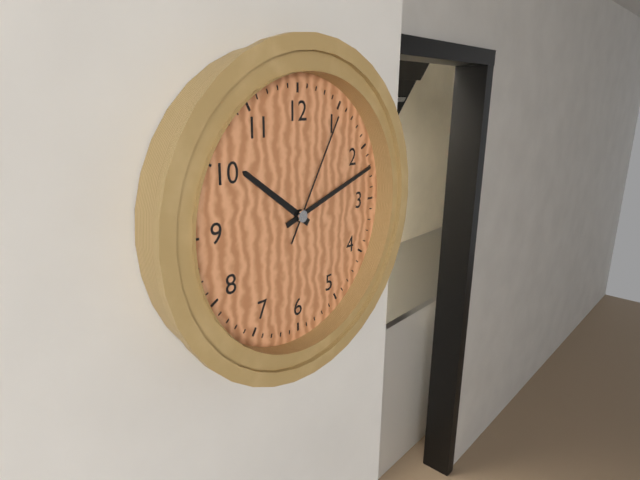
10.12.05
